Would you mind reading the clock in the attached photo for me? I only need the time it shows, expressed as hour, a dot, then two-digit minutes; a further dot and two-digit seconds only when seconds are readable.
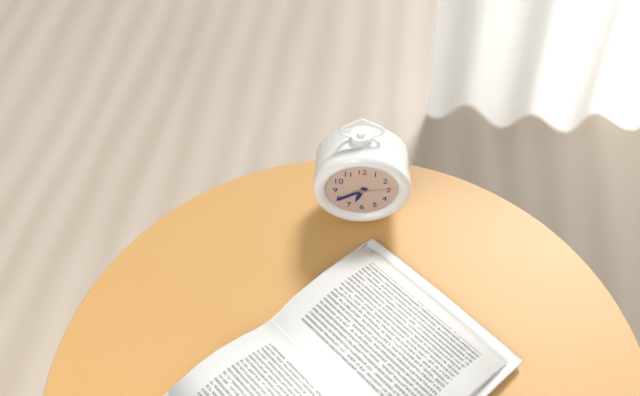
6.40
